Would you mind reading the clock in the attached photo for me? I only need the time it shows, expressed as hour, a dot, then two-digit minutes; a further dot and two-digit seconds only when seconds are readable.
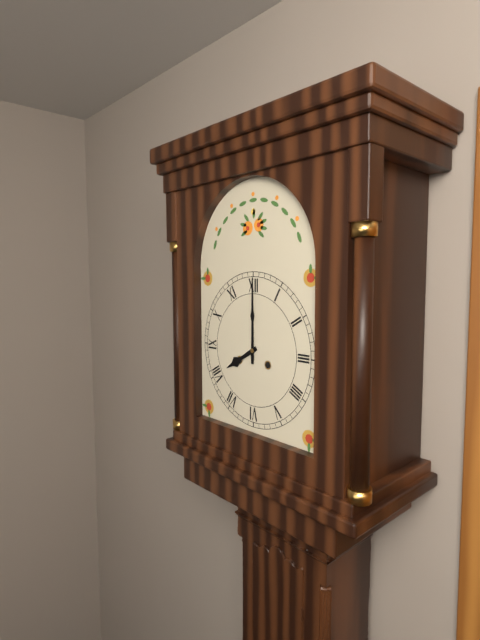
8.00
